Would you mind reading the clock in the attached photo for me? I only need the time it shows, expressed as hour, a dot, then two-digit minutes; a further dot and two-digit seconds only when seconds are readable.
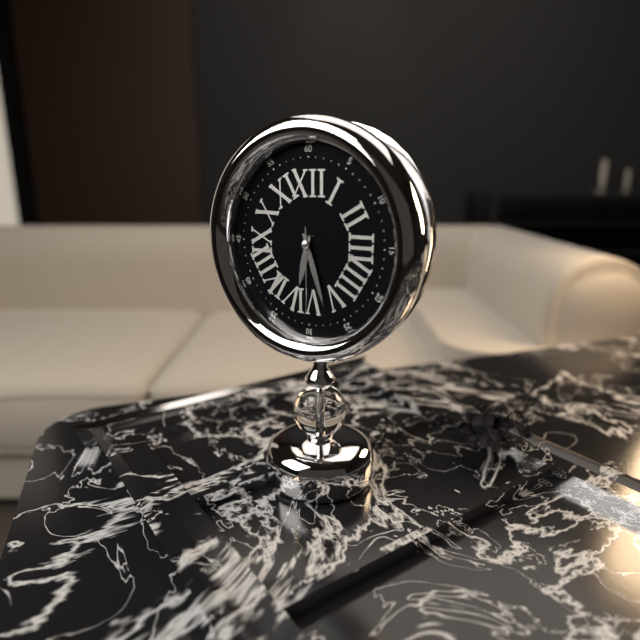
6.27.30
